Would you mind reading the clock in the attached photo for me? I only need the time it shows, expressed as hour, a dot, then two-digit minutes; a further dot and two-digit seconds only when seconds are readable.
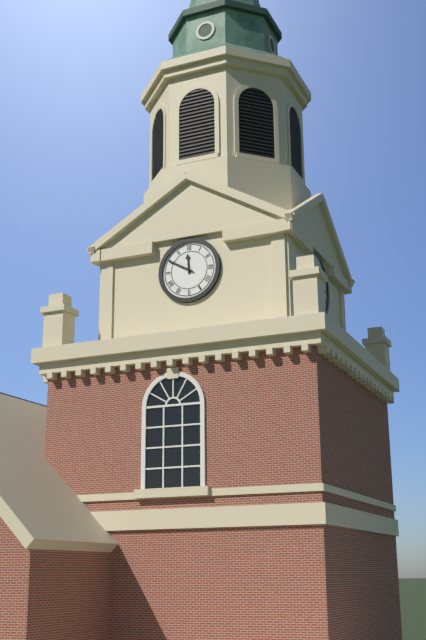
11.50
